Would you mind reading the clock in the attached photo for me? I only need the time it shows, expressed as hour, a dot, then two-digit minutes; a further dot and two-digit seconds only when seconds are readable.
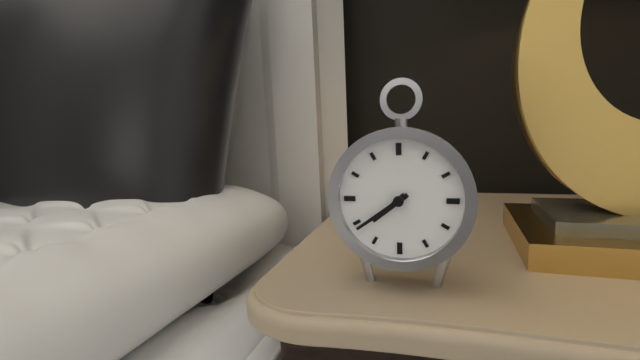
7.39
